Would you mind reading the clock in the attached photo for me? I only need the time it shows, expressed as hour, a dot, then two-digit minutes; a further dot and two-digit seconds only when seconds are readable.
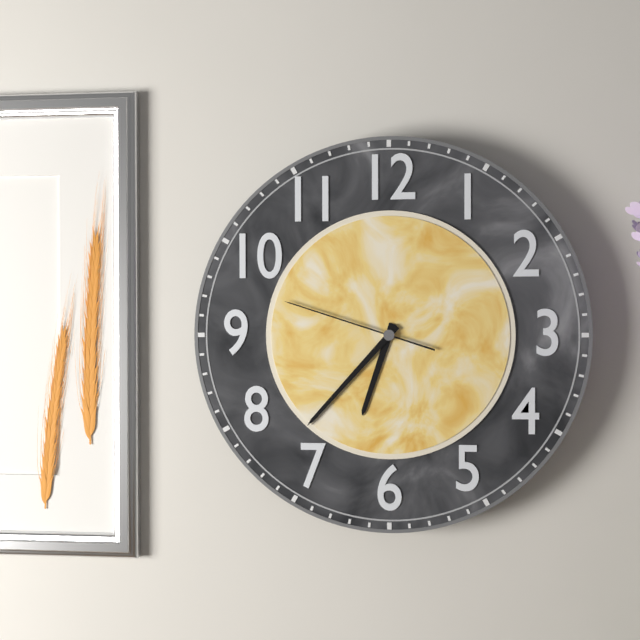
6.37.48
